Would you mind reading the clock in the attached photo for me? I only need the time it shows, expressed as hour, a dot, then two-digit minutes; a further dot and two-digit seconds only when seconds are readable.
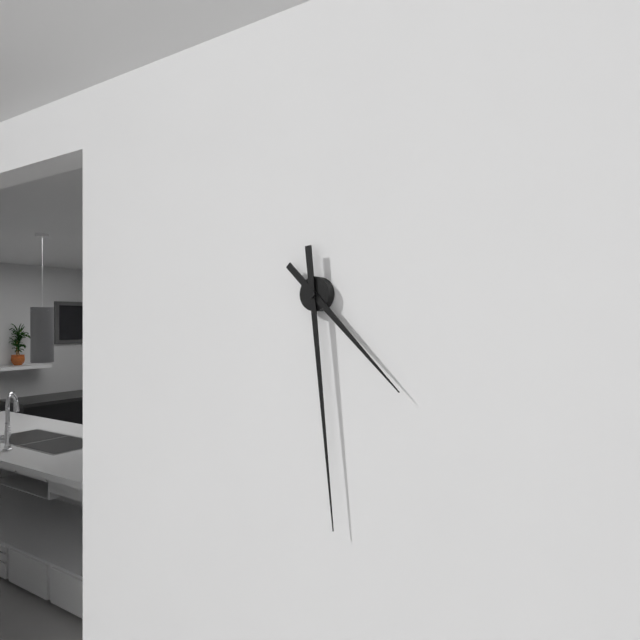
4.29
